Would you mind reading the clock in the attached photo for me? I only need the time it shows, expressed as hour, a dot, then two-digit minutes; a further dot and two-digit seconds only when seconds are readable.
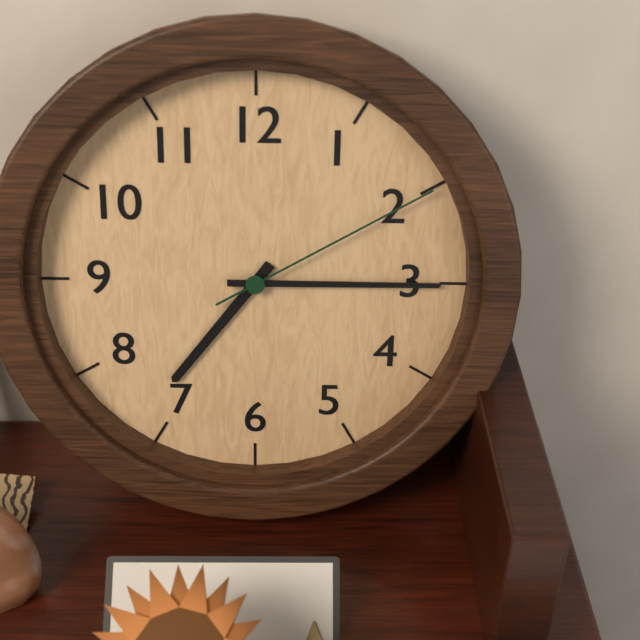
7.15.10
